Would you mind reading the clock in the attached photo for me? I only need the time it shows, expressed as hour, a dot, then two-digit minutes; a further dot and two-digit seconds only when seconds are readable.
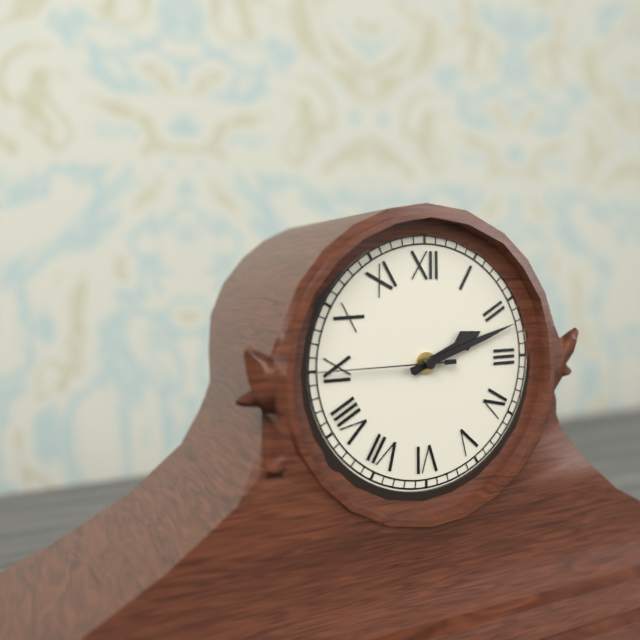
2.12.45
